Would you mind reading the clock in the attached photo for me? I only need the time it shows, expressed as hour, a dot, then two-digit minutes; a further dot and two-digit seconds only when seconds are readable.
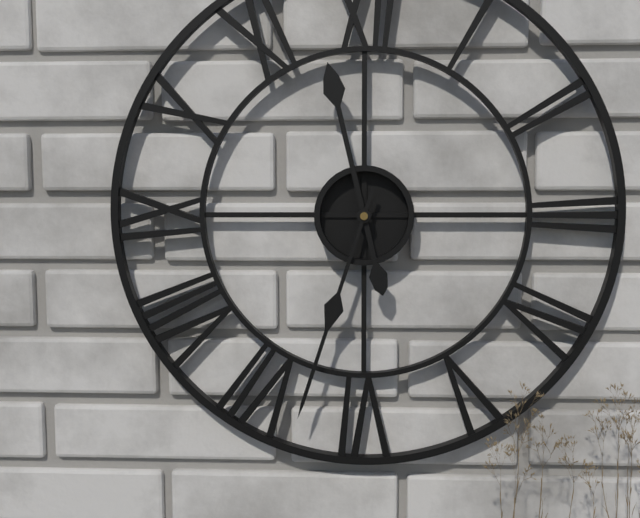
11.33
